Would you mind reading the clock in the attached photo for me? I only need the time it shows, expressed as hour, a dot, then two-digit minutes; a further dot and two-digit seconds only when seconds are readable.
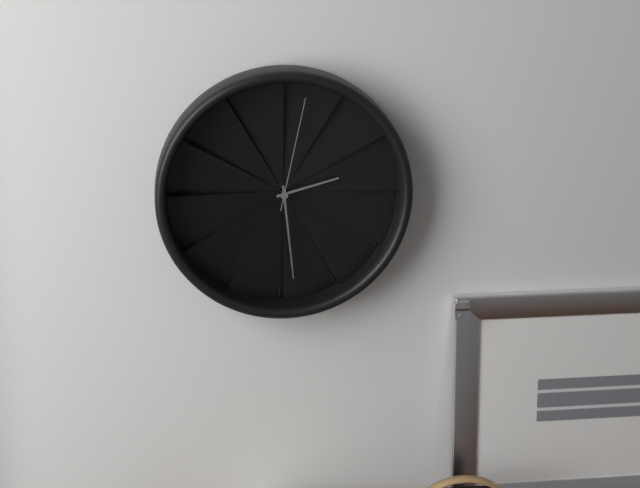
2.29.02
